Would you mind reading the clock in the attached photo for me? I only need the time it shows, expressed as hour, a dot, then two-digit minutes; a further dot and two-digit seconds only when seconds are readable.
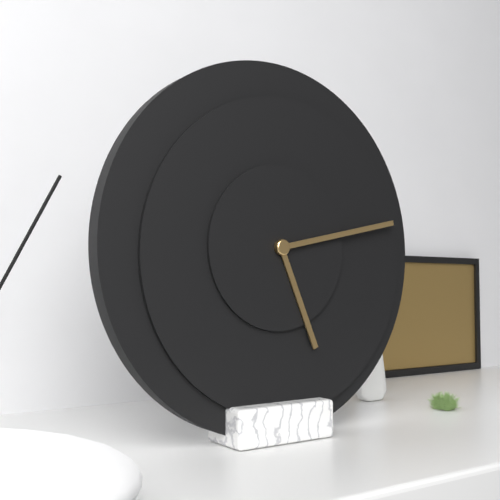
5.13
